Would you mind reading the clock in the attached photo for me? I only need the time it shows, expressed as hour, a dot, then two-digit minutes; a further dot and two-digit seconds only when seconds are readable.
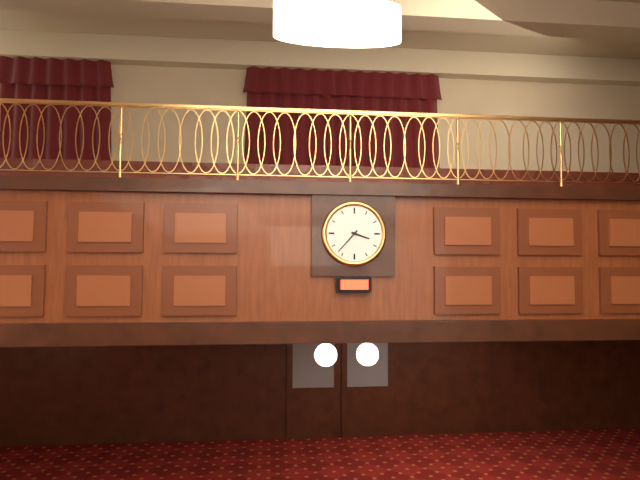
3.37
